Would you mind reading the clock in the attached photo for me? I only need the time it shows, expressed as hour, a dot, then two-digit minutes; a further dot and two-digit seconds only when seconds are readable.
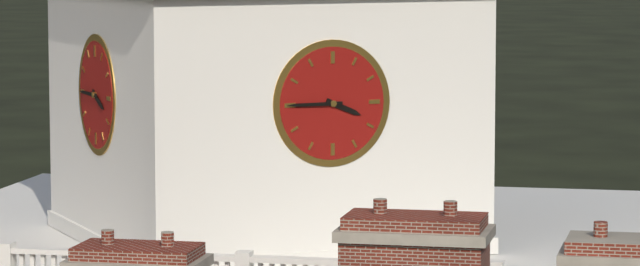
3.45
